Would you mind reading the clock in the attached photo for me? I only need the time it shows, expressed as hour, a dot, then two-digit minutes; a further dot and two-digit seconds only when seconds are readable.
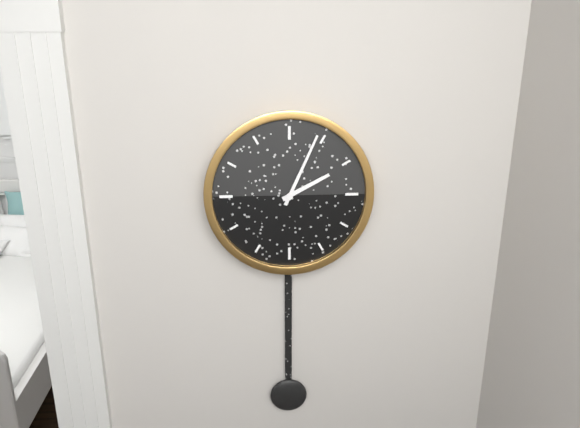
2.04
